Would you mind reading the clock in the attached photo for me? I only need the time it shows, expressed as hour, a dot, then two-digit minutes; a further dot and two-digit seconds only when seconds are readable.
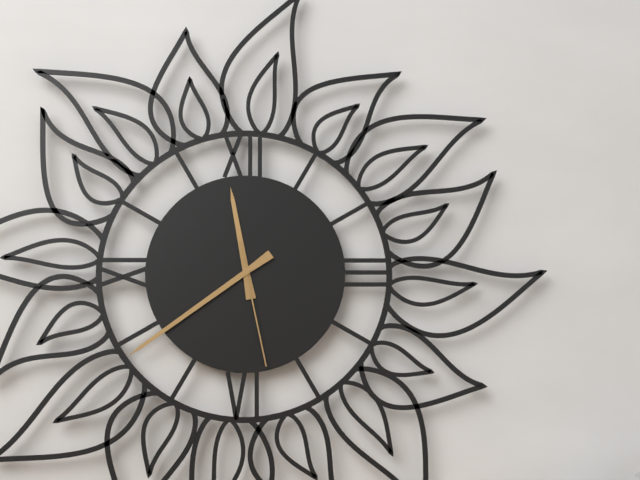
11.39.28
